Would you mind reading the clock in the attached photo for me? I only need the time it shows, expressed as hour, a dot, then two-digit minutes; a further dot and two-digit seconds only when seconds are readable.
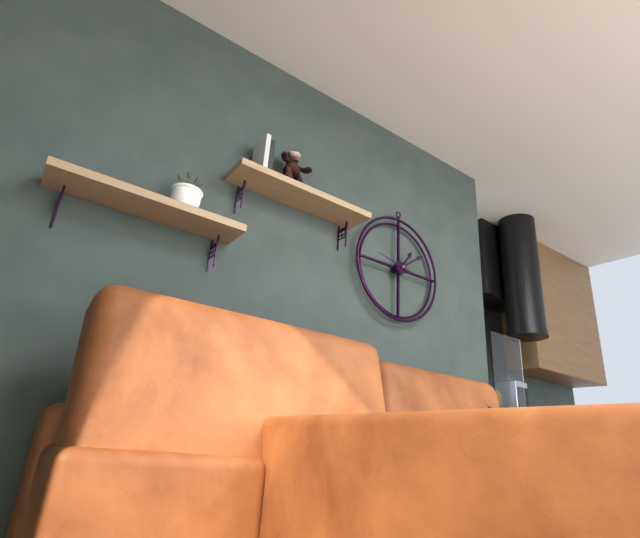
1.09
